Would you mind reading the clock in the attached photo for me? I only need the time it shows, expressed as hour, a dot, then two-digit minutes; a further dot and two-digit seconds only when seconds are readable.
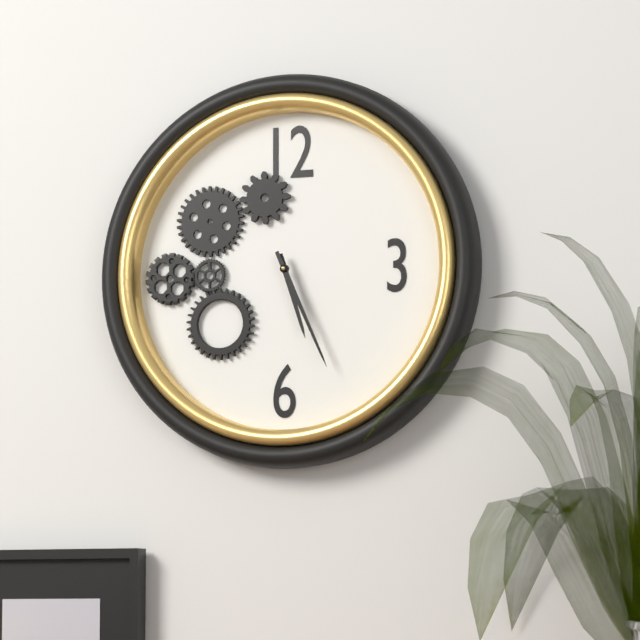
5.26
